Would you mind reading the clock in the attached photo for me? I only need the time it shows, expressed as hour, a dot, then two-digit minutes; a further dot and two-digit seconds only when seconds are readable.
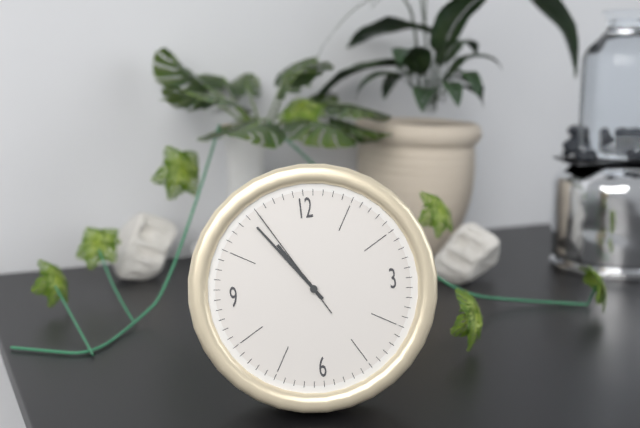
10.54.55
